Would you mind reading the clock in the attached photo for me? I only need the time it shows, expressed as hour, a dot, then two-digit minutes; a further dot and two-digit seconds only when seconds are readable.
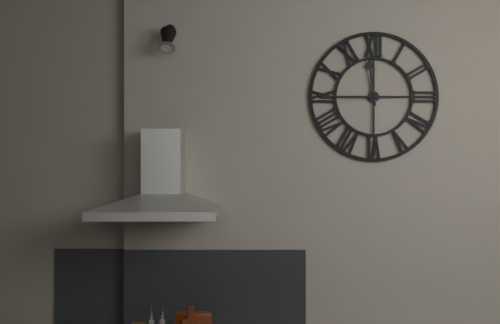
11.45
